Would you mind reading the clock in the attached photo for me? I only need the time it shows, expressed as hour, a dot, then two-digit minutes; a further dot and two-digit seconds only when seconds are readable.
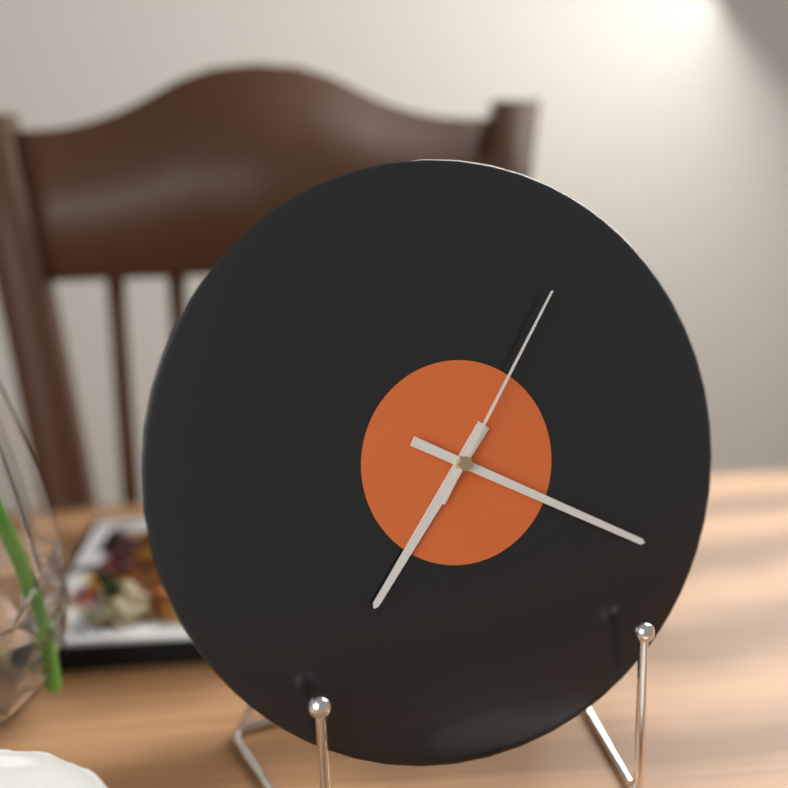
7.20.06
